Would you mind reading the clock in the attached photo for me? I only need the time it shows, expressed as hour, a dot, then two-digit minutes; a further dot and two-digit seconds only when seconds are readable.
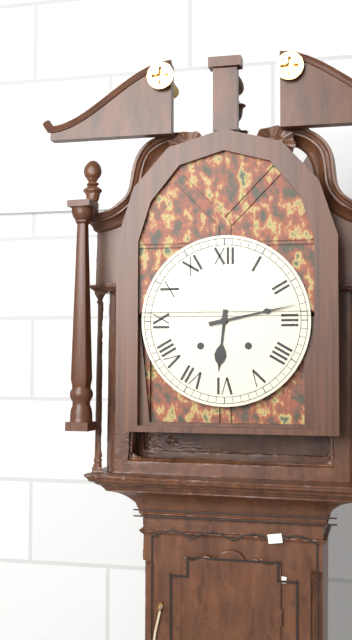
6.13
